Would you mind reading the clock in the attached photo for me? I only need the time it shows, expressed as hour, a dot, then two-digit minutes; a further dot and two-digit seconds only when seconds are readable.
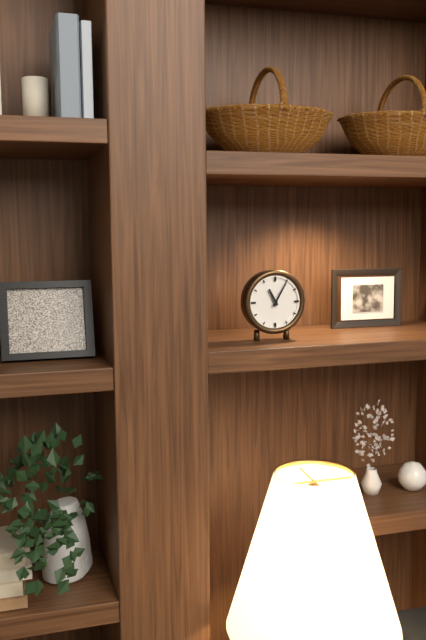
11.05
